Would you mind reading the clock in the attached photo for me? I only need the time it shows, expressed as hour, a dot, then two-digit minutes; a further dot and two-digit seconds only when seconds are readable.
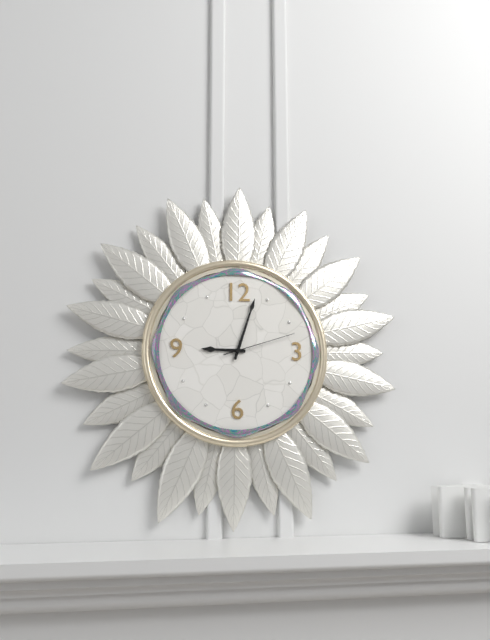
9.03.12
